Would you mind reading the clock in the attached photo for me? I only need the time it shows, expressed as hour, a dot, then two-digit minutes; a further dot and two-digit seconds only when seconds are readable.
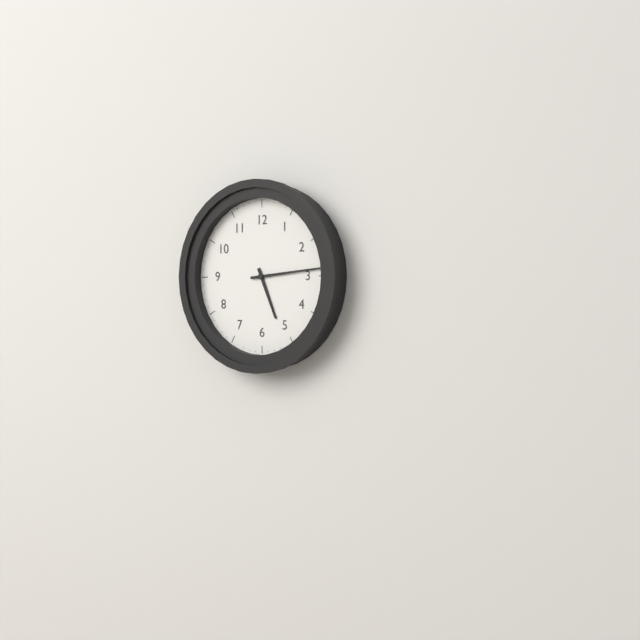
5.14
